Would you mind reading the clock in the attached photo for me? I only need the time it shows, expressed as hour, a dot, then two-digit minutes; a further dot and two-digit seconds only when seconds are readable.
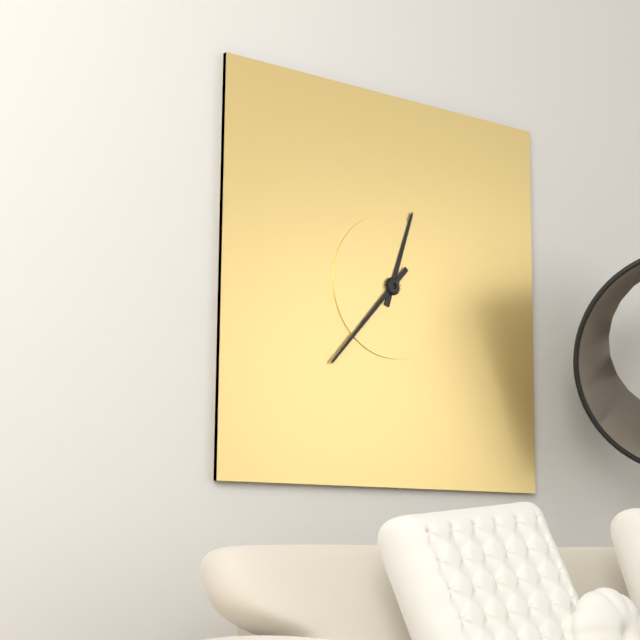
12.37
